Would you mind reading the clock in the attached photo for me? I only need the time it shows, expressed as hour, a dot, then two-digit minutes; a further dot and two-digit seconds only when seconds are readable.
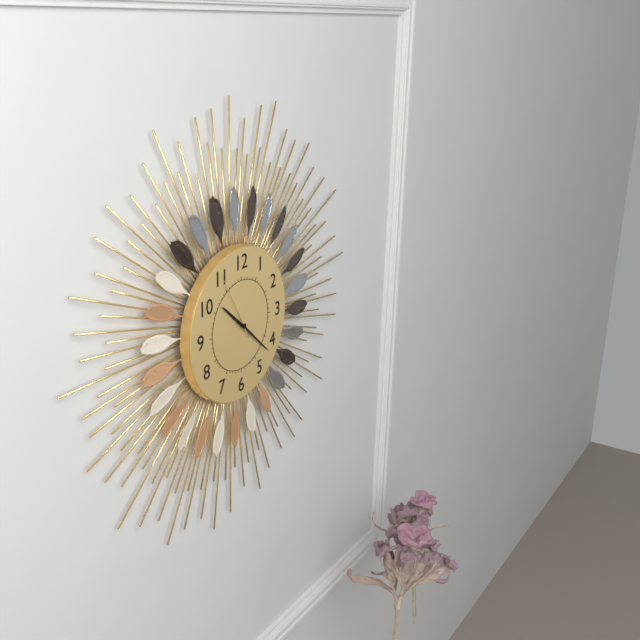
10.22.55
